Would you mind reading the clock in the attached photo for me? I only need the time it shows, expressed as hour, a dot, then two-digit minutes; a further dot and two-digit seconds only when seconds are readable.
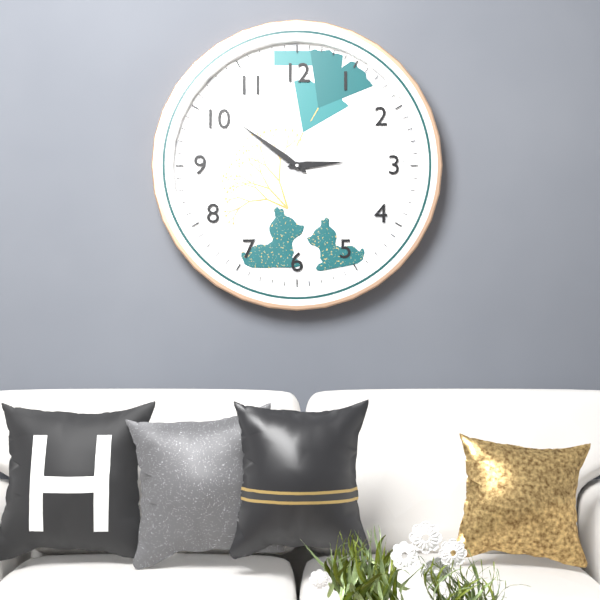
2.51
